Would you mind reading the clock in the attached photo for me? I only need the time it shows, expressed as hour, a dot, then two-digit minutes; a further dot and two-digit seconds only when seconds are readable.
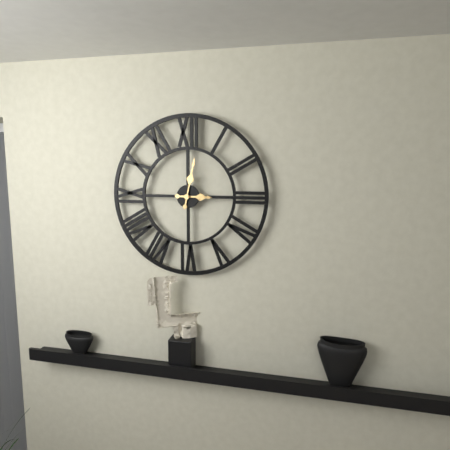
3.02
